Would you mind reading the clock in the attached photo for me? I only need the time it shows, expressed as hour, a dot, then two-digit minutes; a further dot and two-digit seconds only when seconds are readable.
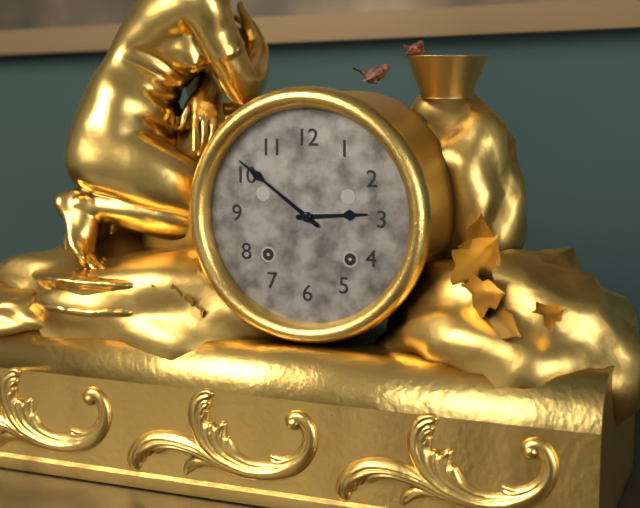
2.51
